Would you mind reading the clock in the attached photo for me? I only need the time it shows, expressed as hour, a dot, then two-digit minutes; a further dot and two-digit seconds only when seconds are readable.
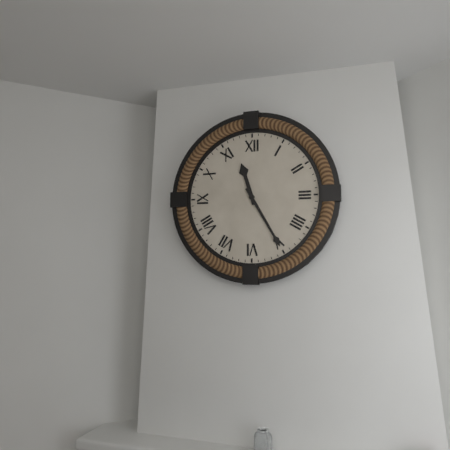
11.25
